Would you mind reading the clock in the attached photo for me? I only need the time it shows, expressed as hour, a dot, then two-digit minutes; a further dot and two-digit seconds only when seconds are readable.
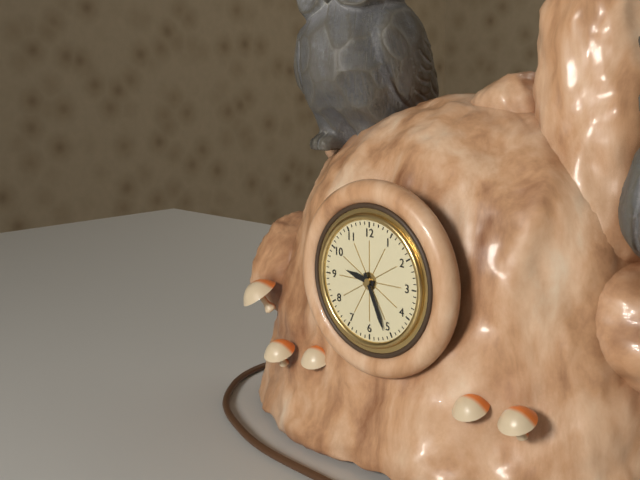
9.26
